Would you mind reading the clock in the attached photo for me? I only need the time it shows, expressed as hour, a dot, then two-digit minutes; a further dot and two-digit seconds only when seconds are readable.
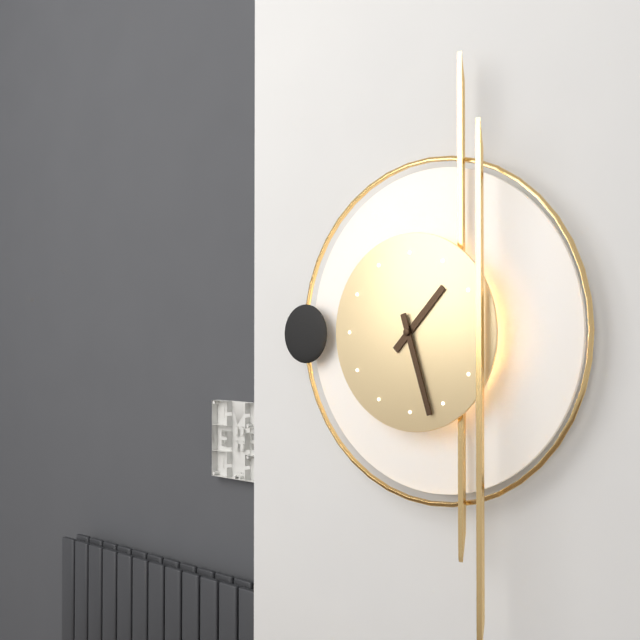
1.27
